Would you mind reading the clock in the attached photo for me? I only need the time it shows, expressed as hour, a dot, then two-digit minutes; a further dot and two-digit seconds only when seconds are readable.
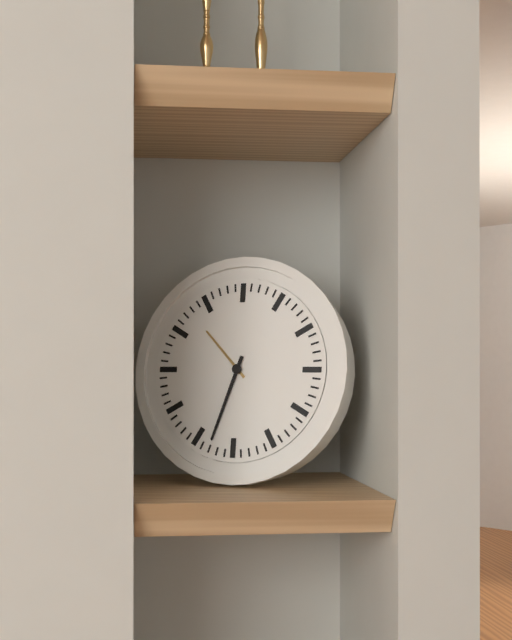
10.33
